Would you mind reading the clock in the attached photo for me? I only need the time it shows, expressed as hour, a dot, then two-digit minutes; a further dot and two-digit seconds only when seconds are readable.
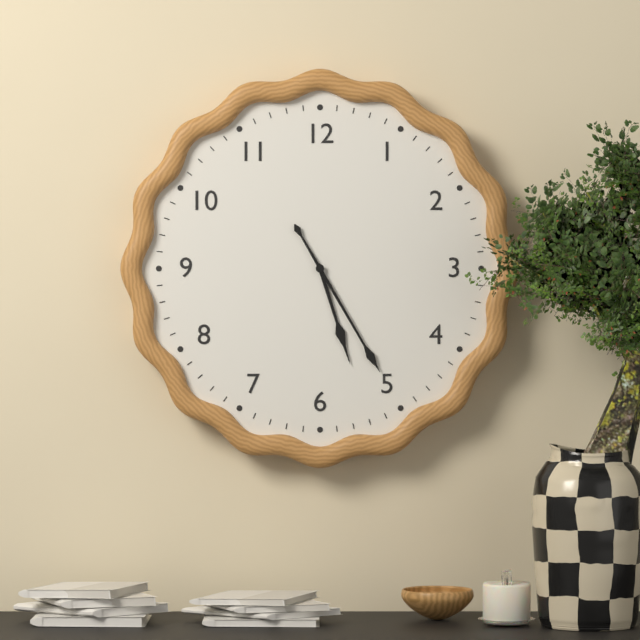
5.25
